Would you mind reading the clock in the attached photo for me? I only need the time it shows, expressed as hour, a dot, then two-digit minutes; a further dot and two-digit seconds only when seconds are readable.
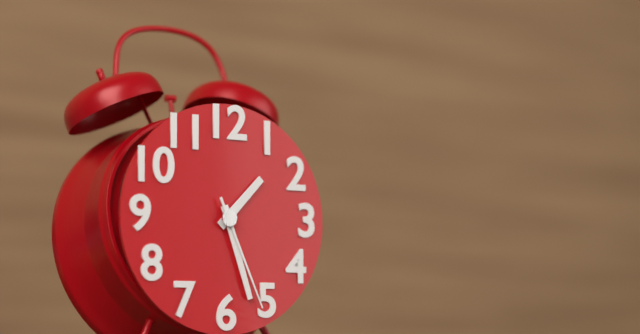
1.27.26
